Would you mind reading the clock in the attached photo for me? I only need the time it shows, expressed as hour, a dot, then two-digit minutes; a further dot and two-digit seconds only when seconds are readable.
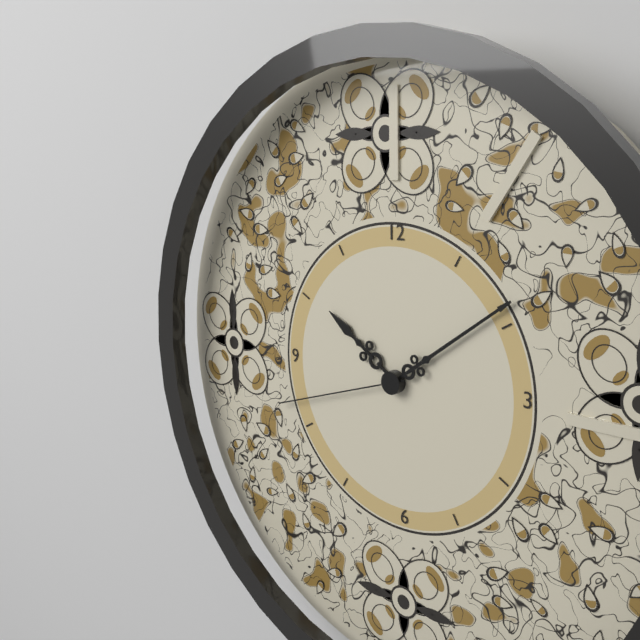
10.09.42
